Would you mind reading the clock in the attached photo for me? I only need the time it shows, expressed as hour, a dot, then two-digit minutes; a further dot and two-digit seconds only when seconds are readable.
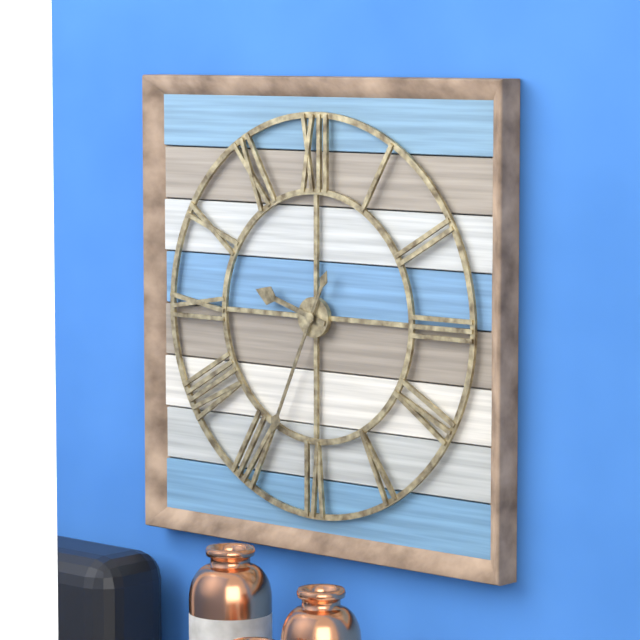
9.34
